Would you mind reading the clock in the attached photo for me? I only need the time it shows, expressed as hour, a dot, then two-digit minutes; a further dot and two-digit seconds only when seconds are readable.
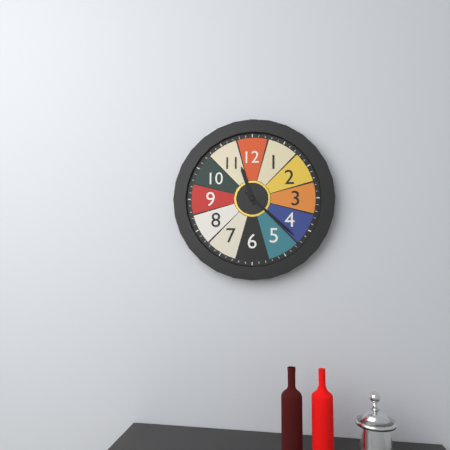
11.22
